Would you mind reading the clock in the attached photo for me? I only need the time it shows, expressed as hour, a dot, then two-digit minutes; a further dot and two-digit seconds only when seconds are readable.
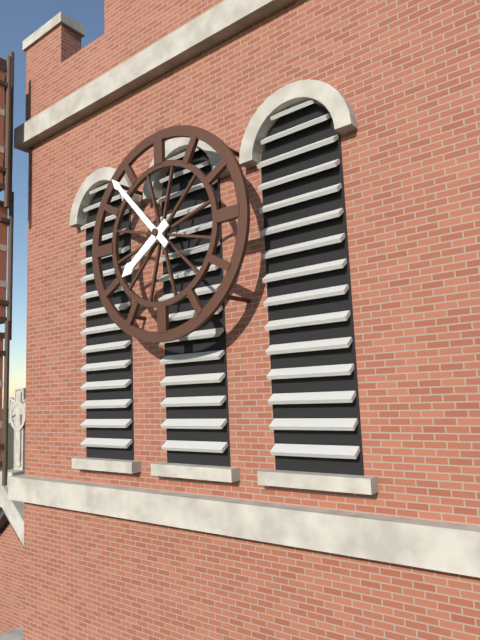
7.53
